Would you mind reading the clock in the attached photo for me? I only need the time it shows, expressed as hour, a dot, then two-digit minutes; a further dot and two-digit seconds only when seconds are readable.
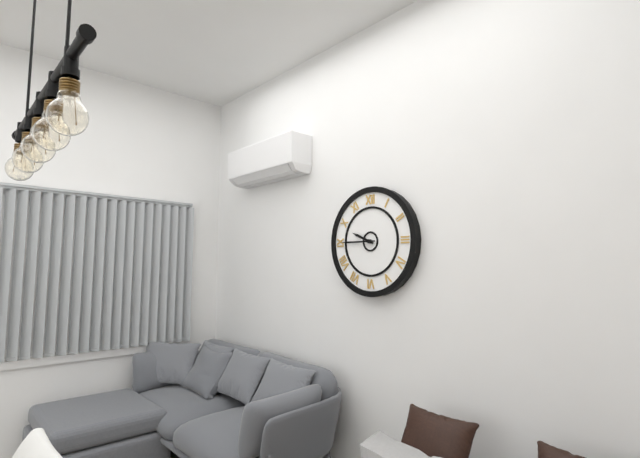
9.45
